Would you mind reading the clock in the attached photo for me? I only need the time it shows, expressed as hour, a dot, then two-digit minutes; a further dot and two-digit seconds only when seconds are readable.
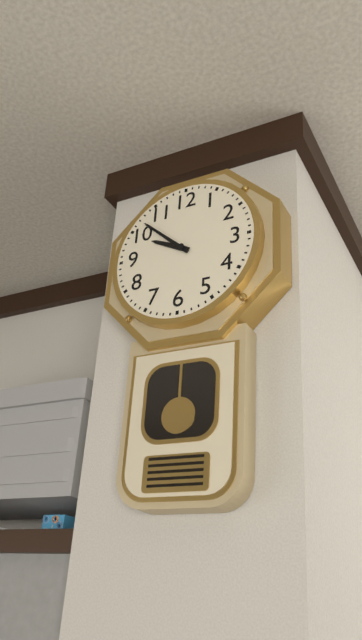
9.52
